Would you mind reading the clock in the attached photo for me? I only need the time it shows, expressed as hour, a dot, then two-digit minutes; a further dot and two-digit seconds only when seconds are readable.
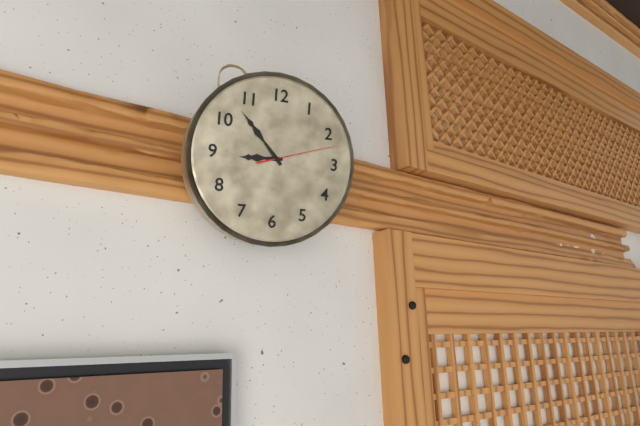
8.53.12
